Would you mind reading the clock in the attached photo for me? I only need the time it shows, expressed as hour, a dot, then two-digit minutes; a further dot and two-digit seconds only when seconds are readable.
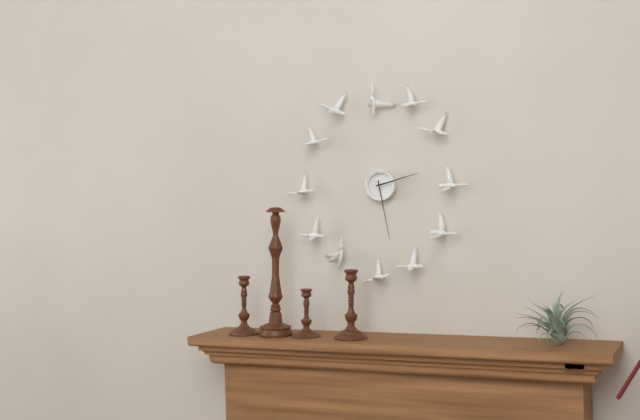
2.28
